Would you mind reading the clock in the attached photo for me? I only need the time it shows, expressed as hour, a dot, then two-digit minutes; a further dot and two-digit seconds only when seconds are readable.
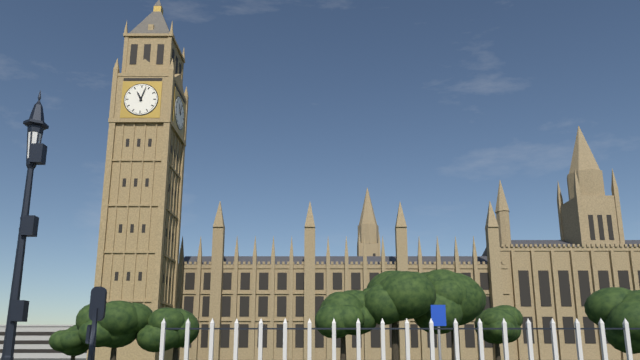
11.03
